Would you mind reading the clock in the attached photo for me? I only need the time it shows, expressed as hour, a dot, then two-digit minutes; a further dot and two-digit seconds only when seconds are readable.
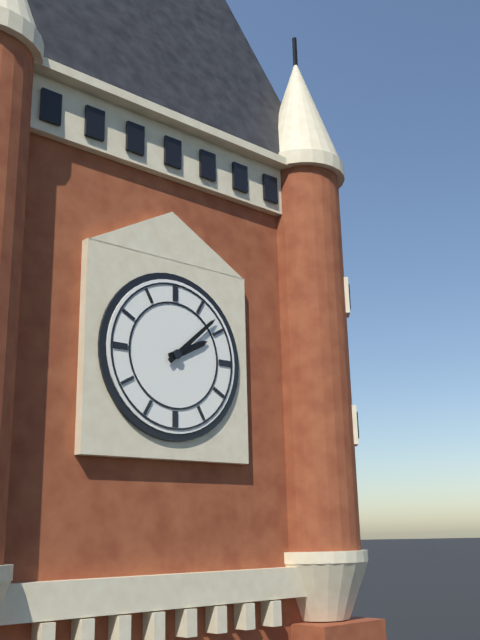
2.08
